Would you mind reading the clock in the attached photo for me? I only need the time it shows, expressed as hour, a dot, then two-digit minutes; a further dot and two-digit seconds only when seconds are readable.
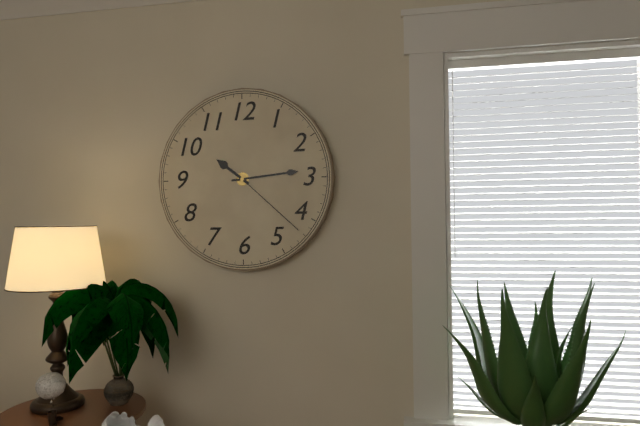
10.14.22
